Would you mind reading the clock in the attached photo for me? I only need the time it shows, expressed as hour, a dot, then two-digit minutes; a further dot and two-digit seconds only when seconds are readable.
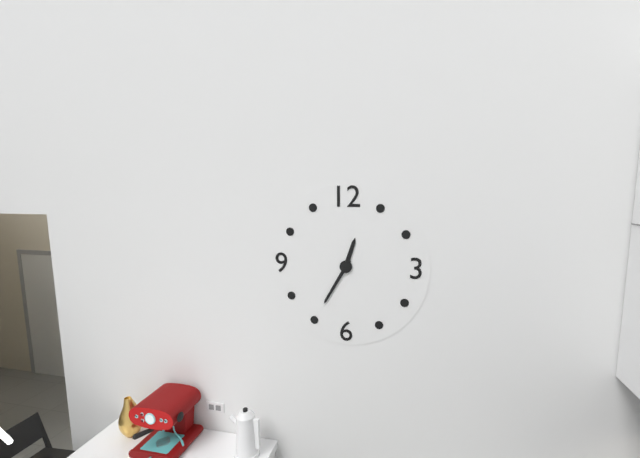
12.35
